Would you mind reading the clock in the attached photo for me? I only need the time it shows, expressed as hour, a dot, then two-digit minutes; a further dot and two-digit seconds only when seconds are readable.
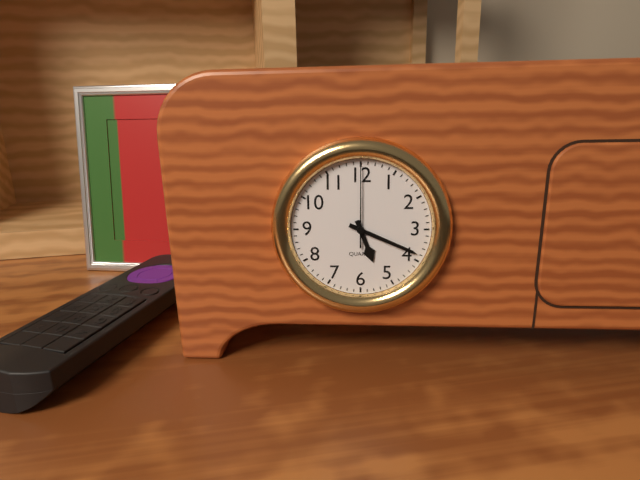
5.19.00
